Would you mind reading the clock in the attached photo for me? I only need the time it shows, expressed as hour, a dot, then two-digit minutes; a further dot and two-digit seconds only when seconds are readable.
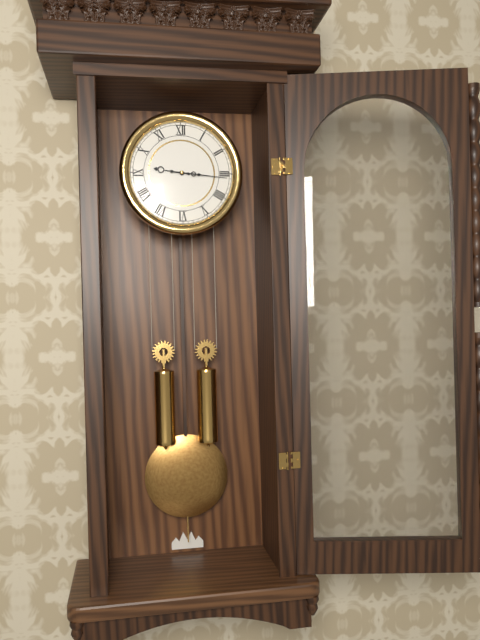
9.16
